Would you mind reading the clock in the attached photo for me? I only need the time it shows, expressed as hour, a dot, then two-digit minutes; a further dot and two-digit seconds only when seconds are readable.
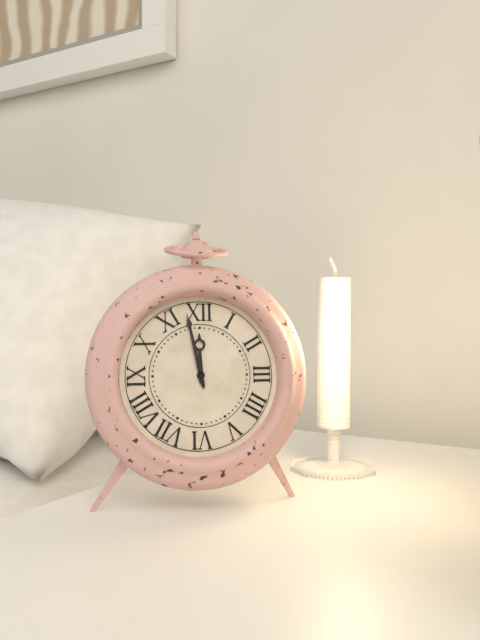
11.58
